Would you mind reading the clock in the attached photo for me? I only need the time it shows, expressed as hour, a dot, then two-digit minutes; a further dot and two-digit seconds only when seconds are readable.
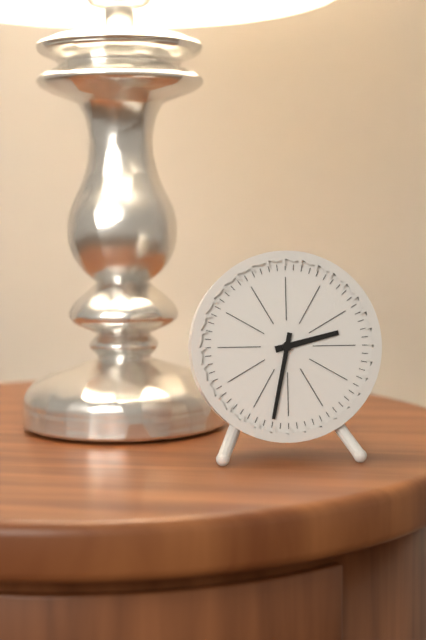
2.32
